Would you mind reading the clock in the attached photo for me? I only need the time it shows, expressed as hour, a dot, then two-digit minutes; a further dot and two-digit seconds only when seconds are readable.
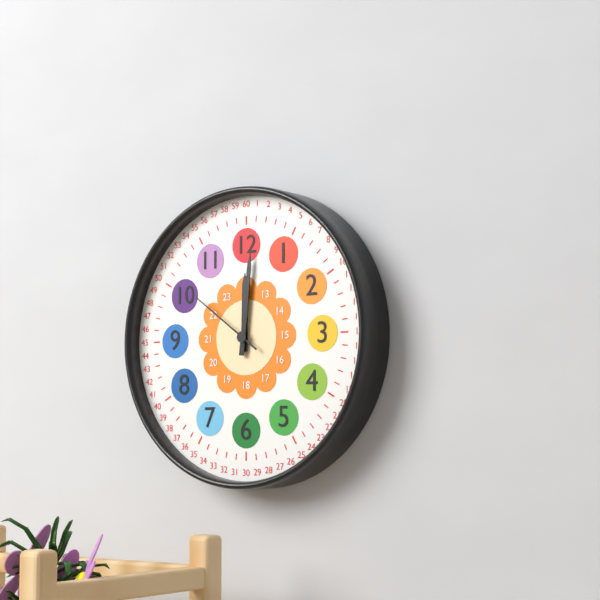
12.01.51
